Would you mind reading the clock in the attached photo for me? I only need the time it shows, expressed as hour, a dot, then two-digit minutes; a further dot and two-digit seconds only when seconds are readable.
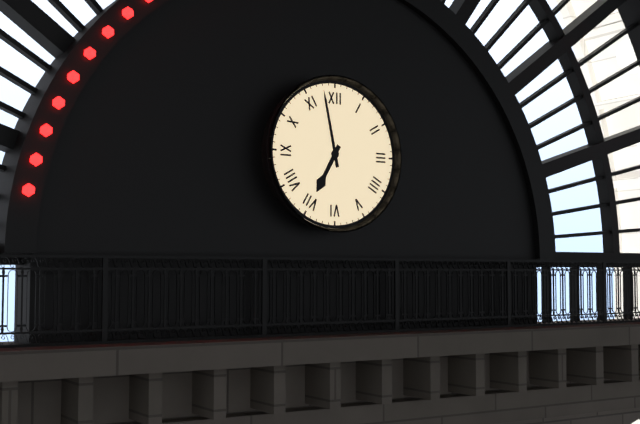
6.58
